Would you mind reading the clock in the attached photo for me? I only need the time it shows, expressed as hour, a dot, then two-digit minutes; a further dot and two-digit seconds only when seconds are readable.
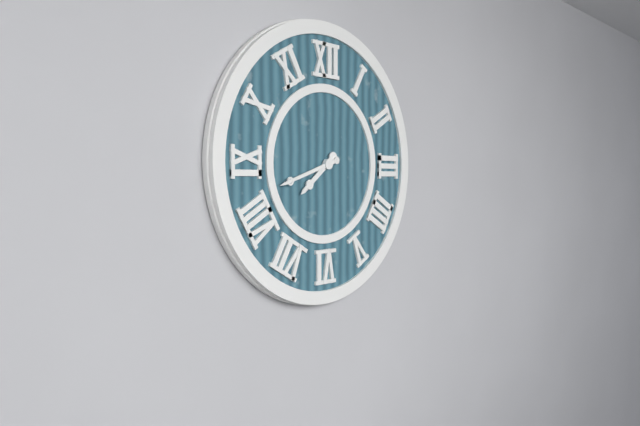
7.42
